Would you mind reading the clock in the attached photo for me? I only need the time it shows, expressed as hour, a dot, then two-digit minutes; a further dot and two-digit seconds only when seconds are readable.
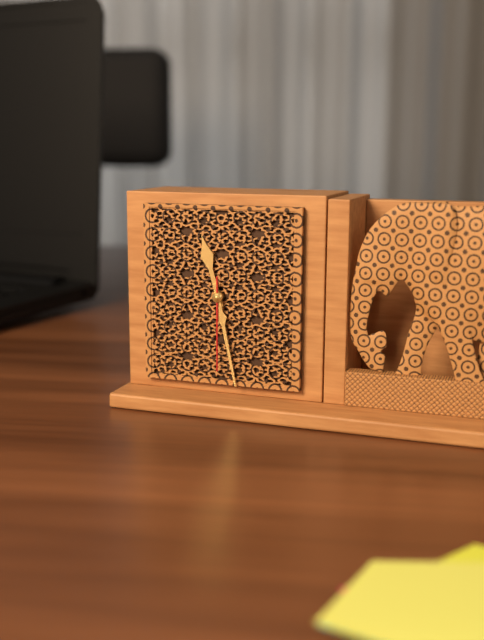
11.28.30
